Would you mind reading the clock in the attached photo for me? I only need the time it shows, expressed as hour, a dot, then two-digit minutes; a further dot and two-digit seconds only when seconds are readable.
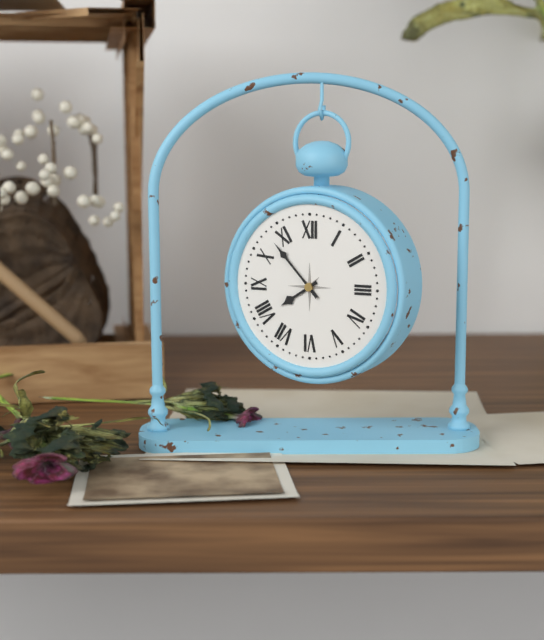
7.53
